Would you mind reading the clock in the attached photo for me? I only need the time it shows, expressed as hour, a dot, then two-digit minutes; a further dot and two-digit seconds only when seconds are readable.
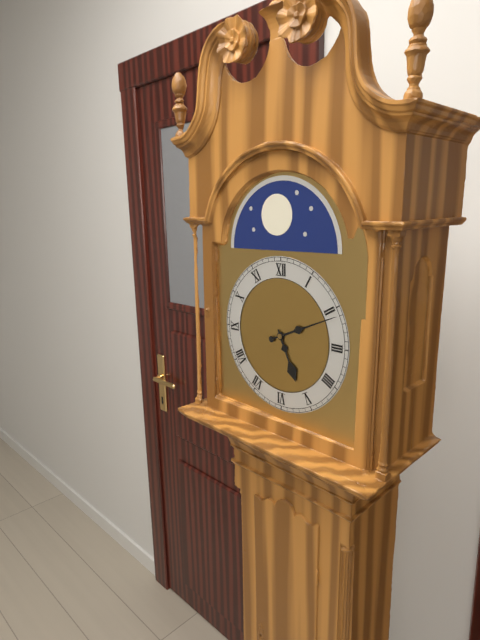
5.11
